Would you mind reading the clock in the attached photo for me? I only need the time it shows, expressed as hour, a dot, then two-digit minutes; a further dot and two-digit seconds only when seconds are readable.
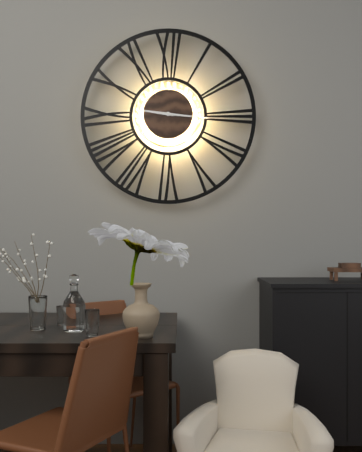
9.16
